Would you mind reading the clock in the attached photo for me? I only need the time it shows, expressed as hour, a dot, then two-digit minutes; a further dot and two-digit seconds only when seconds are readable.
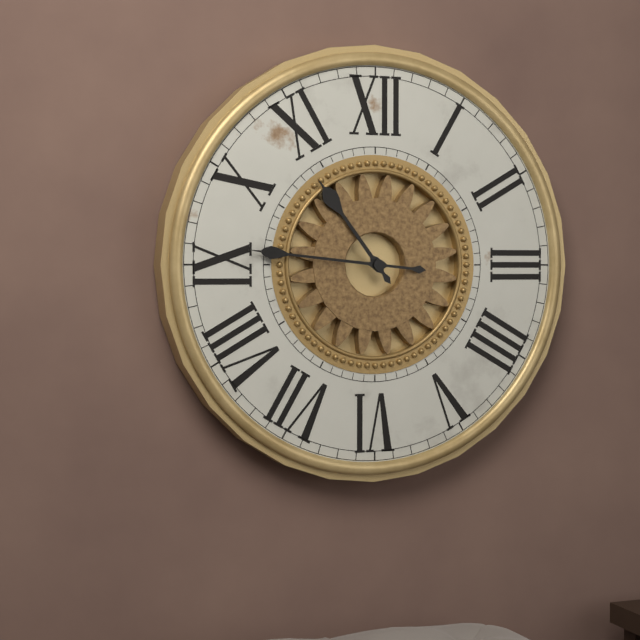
10.46
